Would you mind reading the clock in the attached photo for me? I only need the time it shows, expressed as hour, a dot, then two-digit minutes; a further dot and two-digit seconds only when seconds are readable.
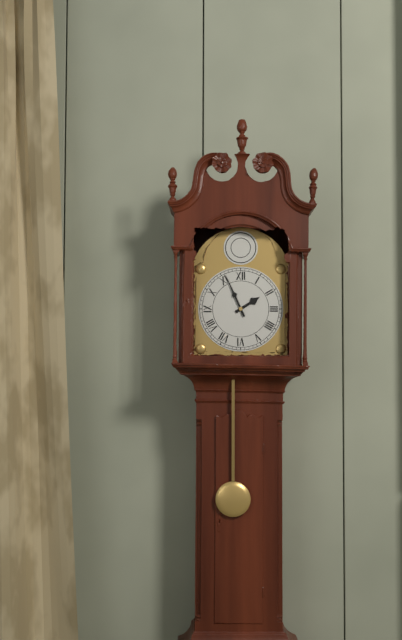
1.56
